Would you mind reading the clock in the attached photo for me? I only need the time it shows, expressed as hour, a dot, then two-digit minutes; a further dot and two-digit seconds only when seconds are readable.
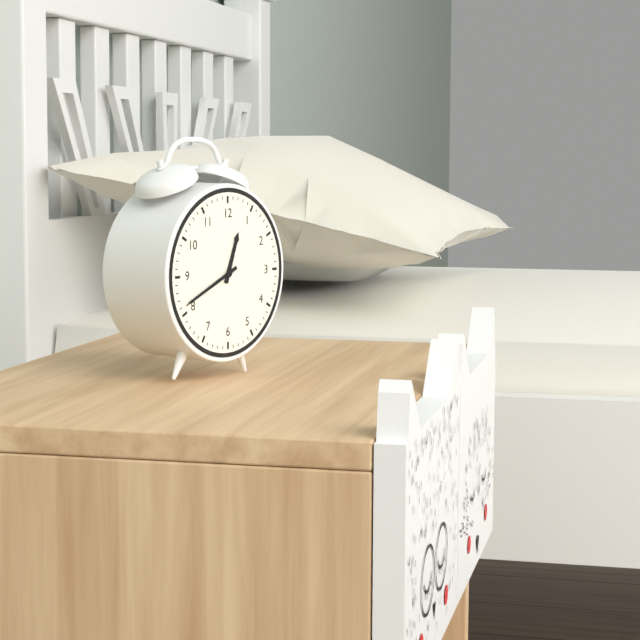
12.41
